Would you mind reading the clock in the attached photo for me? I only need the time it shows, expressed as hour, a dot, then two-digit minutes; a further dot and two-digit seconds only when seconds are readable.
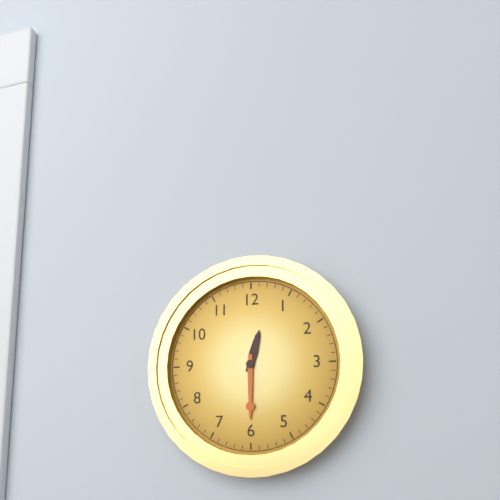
12.30
